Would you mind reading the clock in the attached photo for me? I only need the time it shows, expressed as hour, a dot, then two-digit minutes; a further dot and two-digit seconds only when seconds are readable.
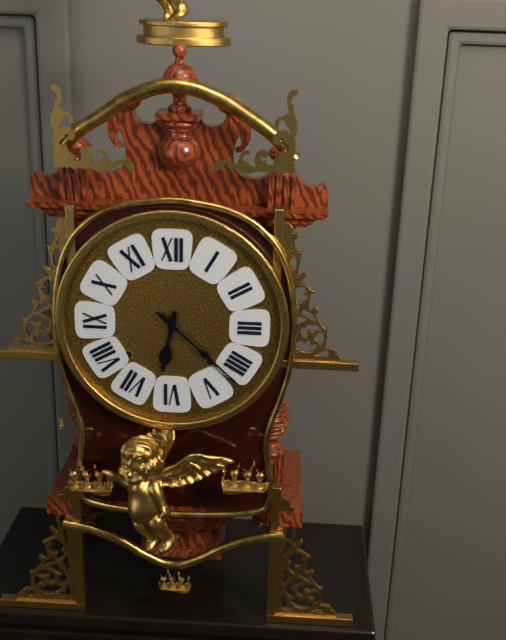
6.22
